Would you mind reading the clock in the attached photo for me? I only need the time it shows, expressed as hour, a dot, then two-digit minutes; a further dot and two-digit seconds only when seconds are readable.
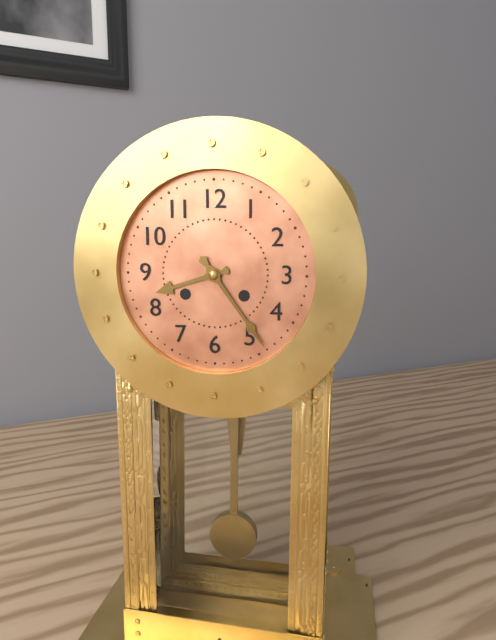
8.24
